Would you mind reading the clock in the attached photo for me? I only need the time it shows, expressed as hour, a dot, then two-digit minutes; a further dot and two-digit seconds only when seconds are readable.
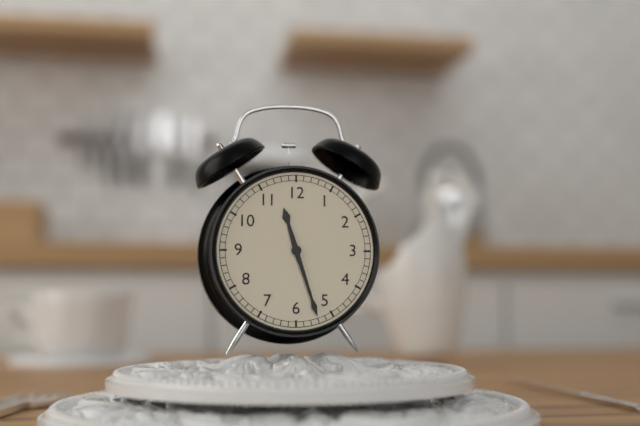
11.27
